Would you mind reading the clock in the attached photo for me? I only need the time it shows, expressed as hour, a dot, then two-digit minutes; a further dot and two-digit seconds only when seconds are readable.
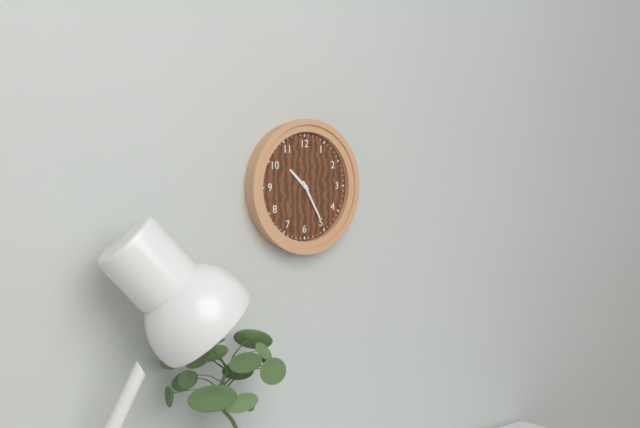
10.25
